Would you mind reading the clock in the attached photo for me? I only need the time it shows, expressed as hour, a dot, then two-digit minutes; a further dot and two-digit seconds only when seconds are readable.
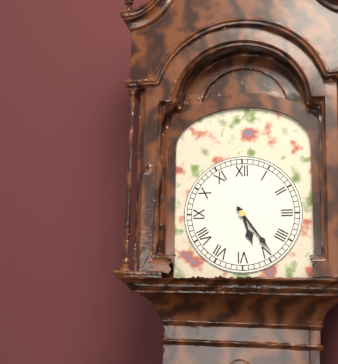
5.24
